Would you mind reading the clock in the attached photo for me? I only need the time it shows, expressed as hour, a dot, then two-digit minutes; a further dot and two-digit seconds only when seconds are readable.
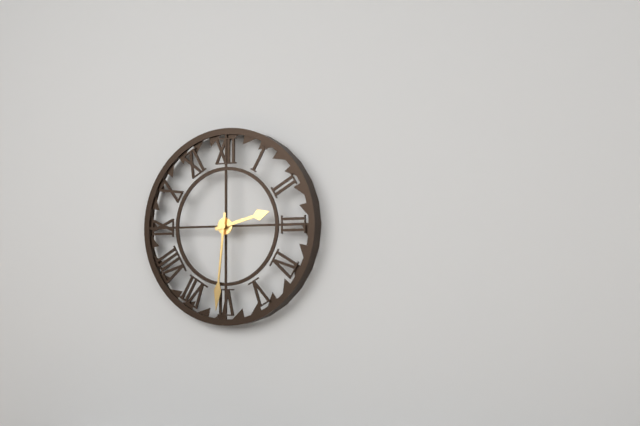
2.31
